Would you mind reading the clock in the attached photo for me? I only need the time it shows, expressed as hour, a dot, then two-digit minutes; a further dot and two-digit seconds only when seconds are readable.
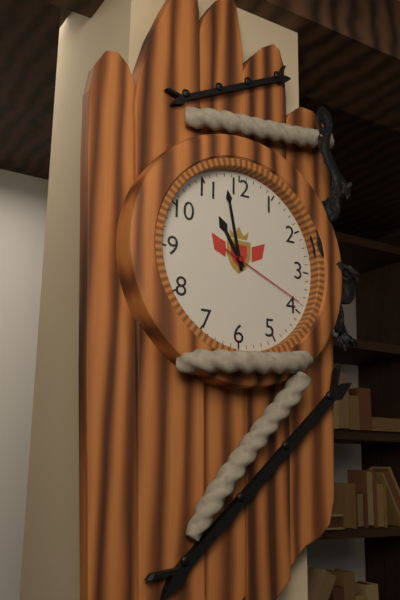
10.58.19
